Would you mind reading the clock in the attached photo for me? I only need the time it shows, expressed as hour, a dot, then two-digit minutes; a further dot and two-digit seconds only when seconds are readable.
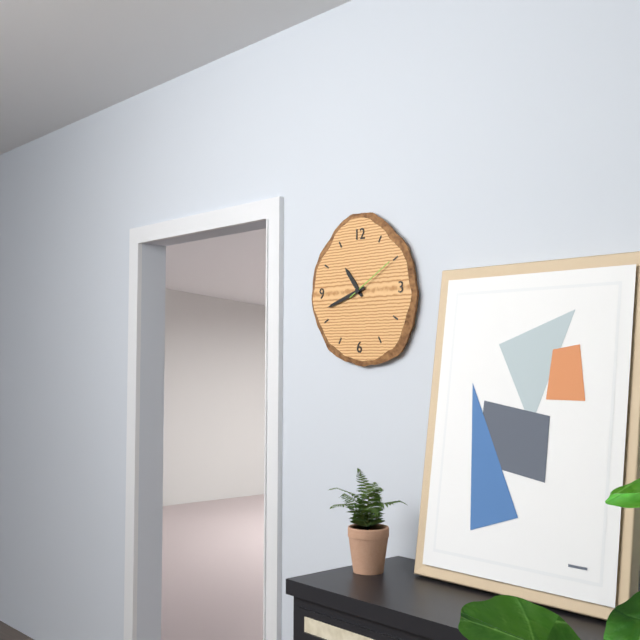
10.42
